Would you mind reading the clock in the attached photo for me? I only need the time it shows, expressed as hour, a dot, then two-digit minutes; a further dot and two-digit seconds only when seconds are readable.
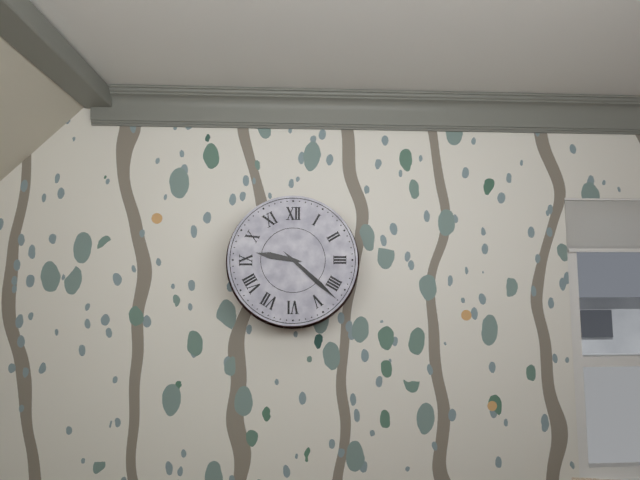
9.22
